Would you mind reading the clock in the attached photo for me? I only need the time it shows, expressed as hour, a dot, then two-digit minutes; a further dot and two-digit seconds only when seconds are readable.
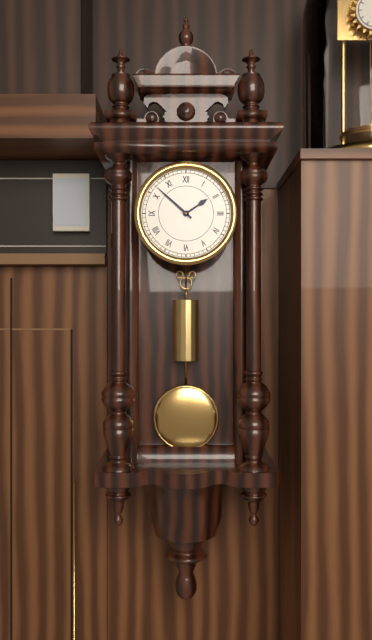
1.52
